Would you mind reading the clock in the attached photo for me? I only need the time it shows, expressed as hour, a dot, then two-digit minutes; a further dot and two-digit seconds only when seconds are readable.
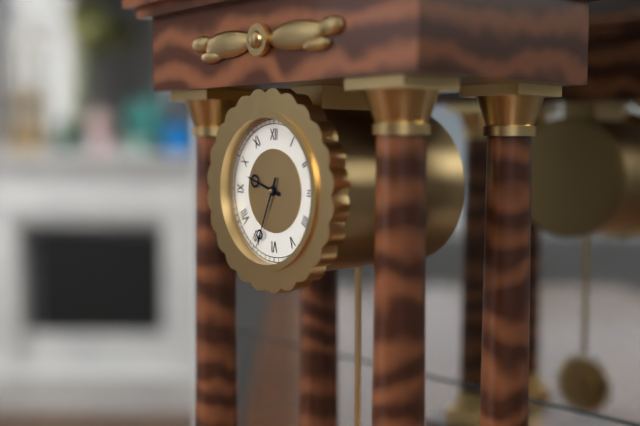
9.34
